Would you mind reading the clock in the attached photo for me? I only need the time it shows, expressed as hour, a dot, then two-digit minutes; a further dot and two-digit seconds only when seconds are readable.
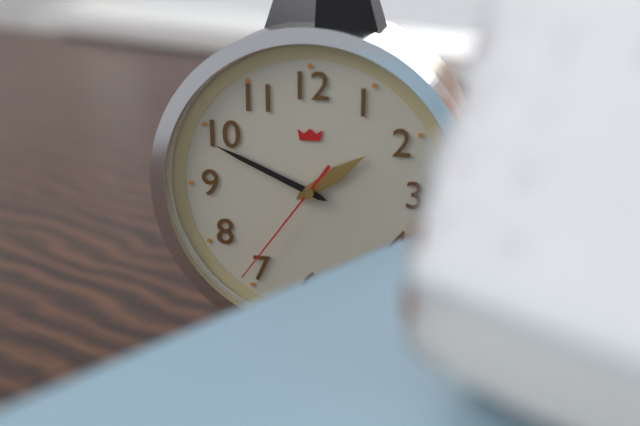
1.49.36
